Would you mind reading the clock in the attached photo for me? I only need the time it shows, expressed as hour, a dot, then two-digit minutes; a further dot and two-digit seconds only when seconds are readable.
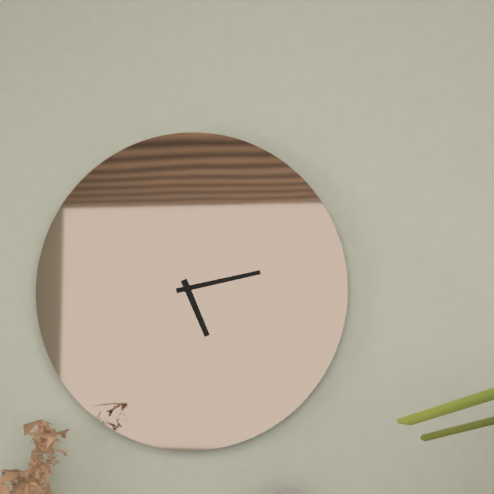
5.13
